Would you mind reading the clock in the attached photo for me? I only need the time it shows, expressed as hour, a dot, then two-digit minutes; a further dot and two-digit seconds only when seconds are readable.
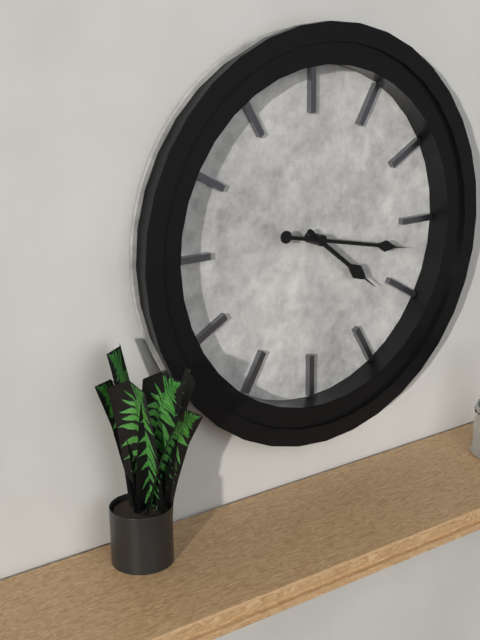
4.17
